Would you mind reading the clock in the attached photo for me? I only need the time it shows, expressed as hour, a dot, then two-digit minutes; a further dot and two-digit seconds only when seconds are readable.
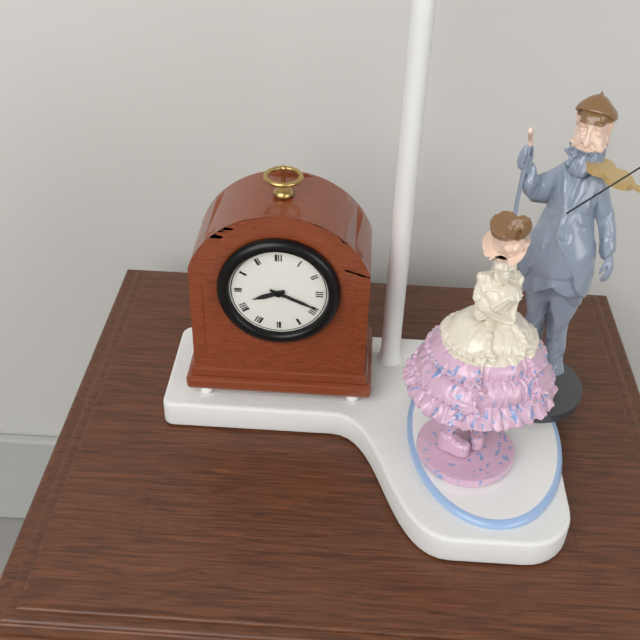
8.19
